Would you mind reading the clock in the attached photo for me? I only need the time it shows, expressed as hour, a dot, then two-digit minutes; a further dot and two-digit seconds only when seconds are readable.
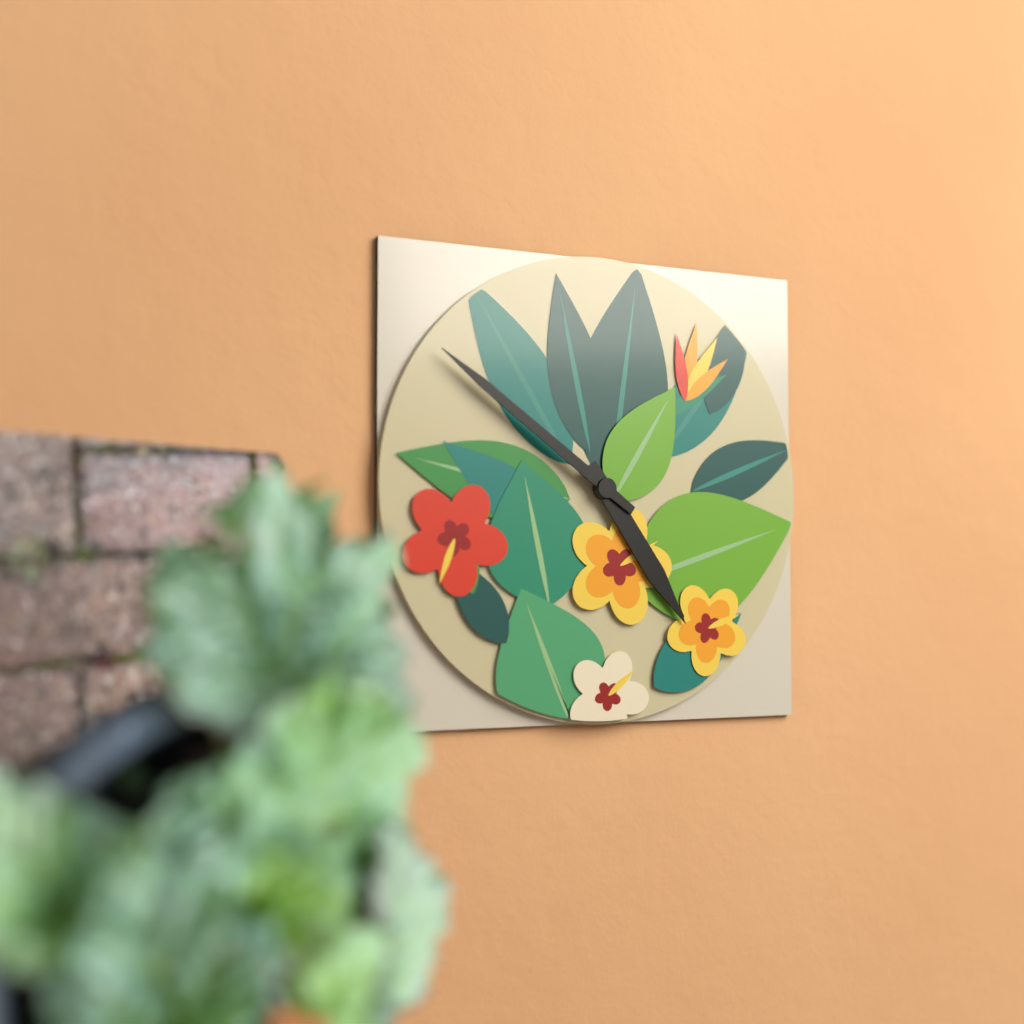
4.51
